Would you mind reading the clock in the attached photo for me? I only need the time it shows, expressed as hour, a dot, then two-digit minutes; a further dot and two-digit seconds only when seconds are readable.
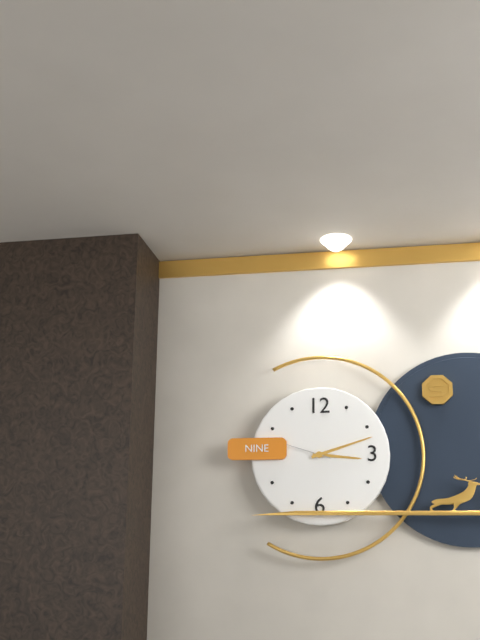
3.12
